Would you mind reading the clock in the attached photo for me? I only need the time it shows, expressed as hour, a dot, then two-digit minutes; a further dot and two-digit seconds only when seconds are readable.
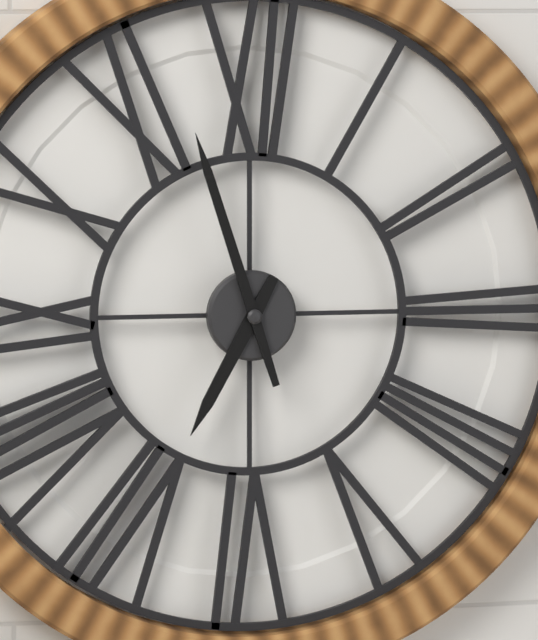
6.57
